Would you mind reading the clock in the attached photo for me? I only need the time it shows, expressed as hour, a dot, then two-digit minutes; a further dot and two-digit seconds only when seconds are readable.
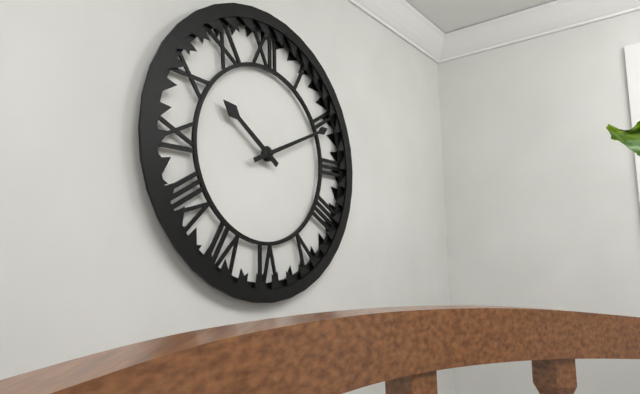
10.11
